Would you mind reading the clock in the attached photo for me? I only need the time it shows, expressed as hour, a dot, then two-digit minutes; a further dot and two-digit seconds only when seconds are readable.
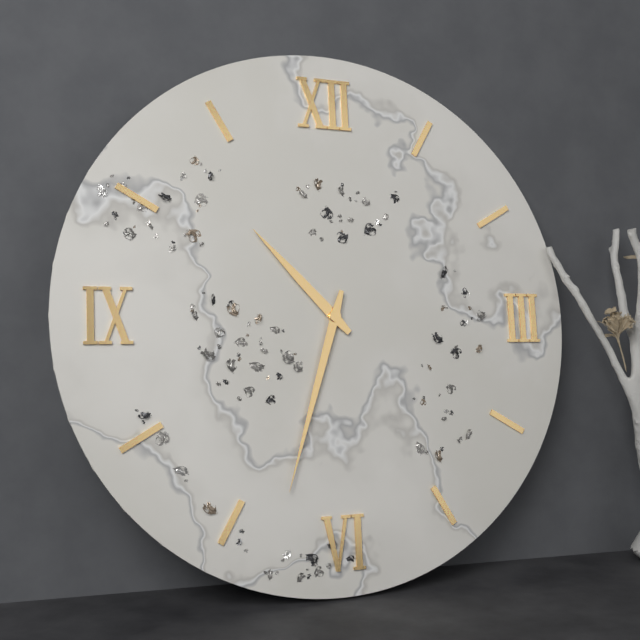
10.33
